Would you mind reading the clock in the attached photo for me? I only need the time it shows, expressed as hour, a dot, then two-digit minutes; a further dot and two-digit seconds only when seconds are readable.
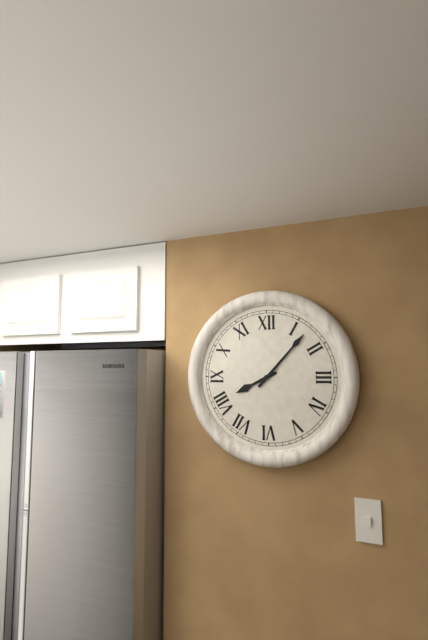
8.07
